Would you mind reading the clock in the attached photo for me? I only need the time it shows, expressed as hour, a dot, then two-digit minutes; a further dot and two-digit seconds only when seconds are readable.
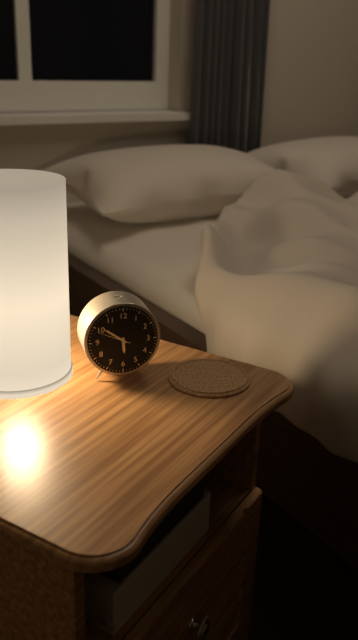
5.51
